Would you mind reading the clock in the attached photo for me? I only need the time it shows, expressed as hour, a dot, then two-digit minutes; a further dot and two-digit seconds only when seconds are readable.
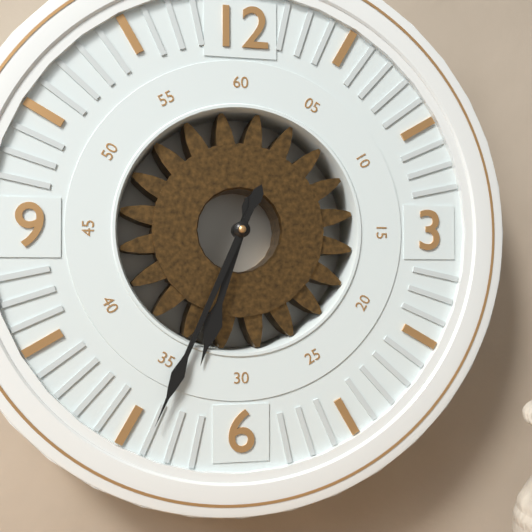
6.34
